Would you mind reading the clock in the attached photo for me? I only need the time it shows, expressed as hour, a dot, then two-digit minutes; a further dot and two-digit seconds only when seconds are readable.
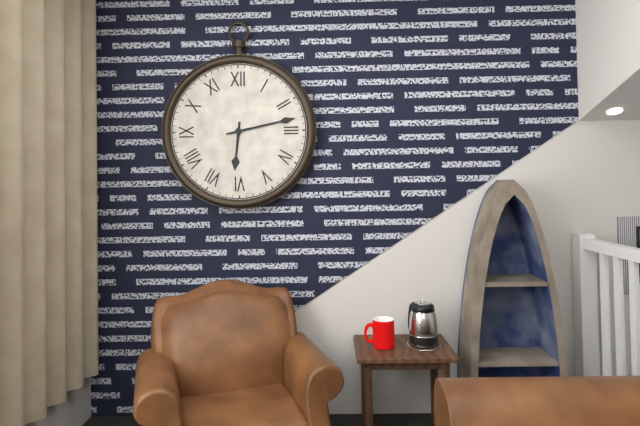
6.13
